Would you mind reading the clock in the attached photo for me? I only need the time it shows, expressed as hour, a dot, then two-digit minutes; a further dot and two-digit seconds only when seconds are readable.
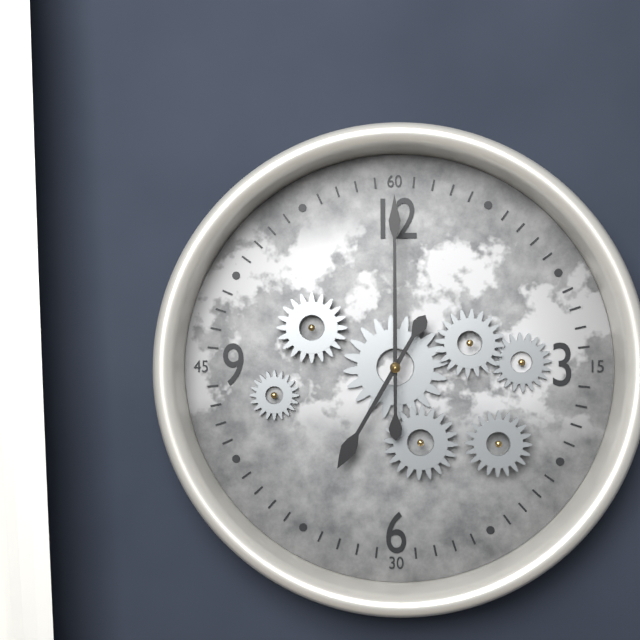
7.00
